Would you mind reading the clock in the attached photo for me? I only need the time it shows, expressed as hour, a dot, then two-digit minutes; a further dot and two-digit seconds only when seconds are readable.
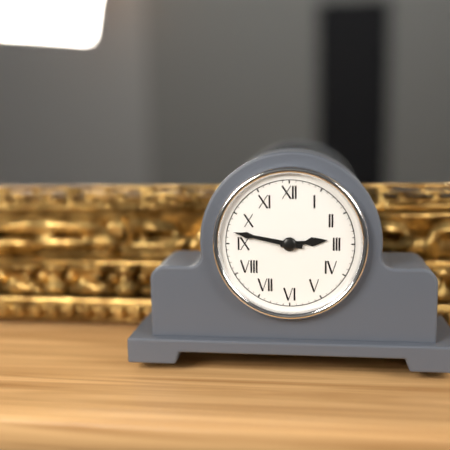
2.47
